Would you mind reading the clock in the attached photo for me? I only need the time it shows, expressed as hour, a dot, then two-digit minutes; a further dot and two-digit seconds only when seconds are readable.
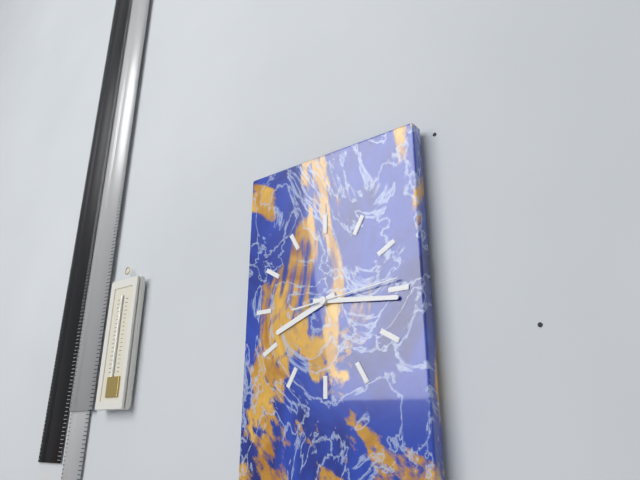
8.16.14
